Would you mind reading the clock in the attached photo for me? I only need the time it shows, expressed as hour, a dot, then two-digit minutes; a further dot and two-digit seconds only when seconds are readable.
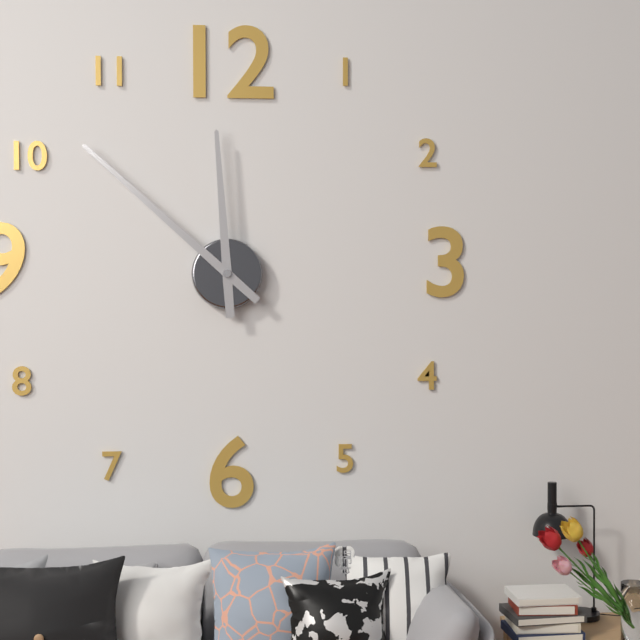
11.52
